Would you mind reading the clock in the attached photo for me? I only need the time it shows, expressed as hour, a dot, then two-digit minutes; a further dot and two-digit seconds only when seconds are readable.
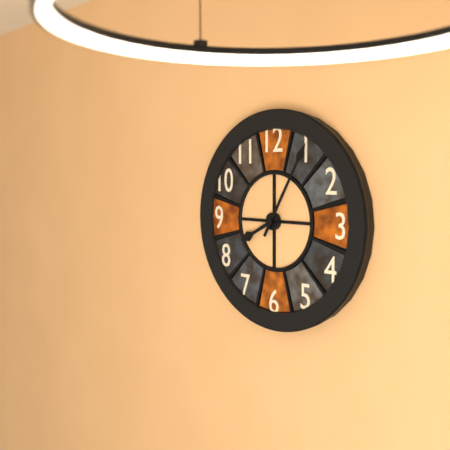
8.05
